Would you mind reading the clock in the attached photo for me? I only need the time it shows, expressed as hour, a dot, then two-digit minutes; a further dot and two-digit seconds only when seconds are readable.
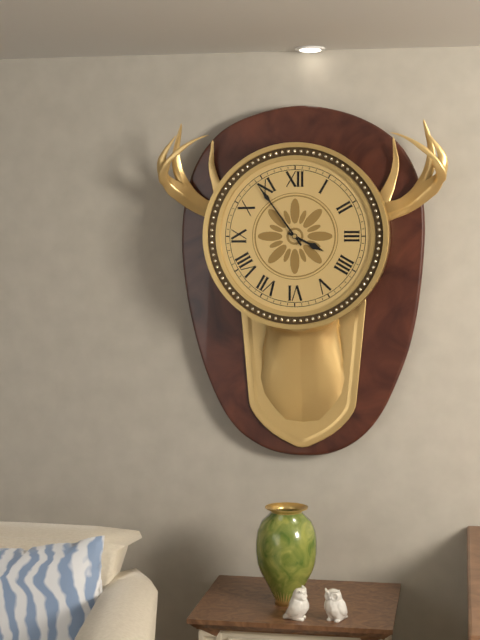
3.54
